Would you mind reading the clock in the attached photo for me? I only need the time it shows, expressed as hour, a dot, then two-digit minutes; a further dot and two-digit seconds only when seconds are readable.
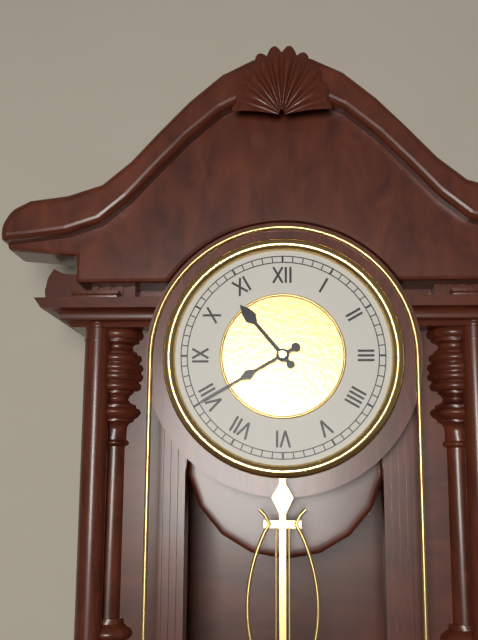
10.40
